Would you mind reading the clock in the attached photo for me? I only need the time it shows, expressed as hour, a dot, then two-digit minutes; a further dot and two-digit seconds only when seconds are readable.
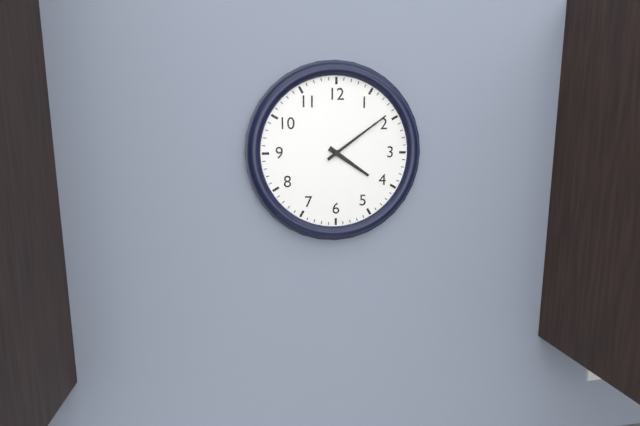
4.09
